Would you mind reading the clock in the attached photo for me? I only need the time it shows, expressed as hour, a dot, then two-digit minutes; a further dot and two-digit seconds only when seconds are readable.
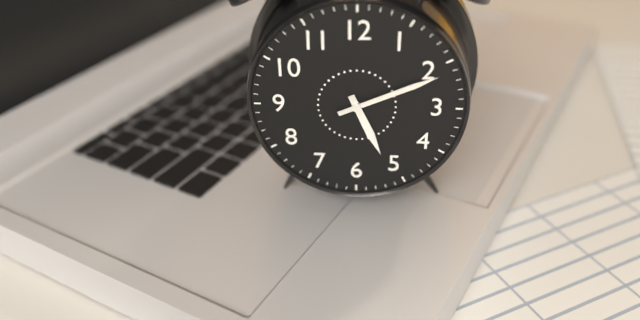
5.11
